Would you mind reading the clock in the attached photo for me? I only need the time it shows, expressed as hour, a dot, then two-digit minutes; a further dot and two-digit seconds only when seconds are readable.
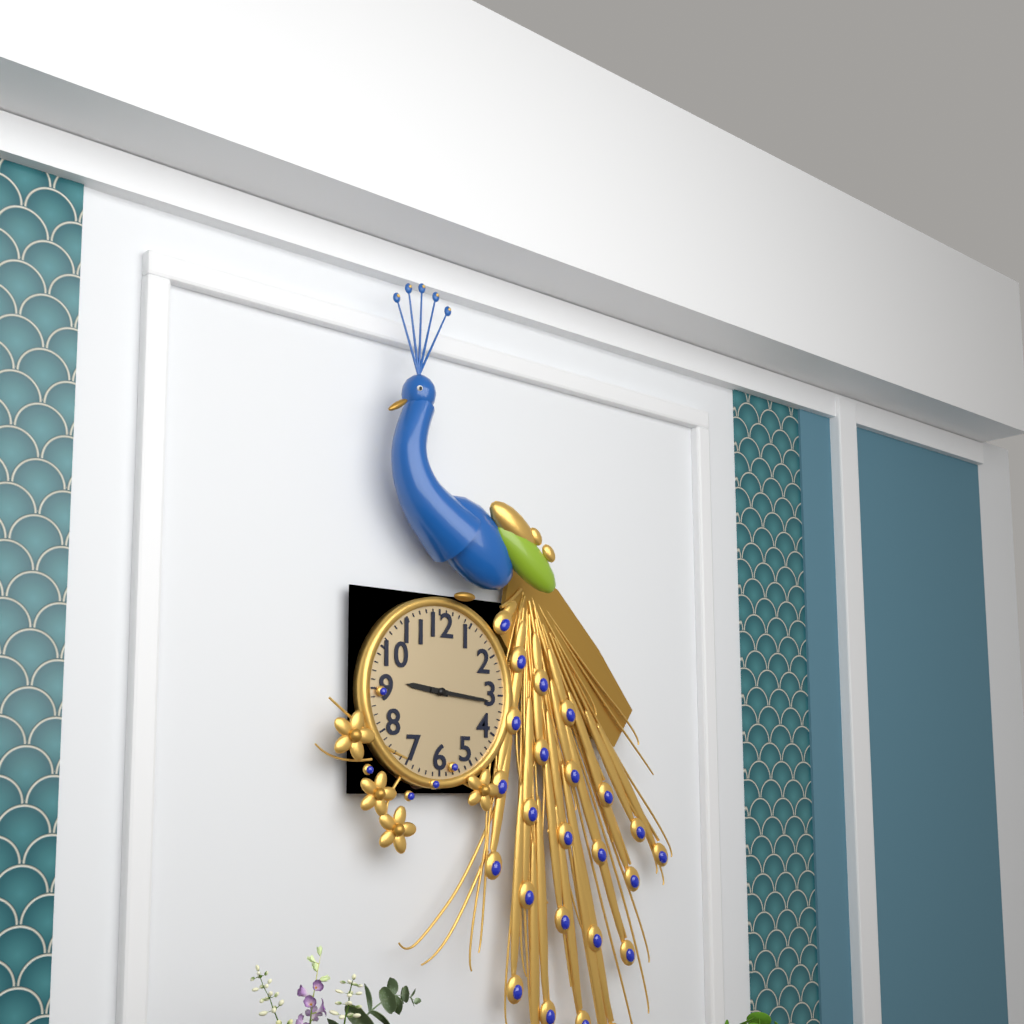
9.16
